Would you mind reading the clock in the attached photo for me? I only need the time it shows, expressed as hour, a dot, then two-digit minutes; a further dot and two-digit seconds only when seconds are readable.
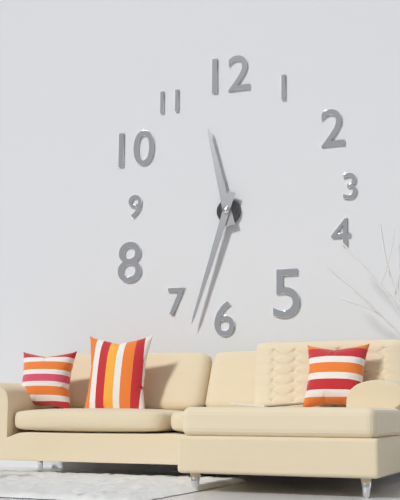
11.33
